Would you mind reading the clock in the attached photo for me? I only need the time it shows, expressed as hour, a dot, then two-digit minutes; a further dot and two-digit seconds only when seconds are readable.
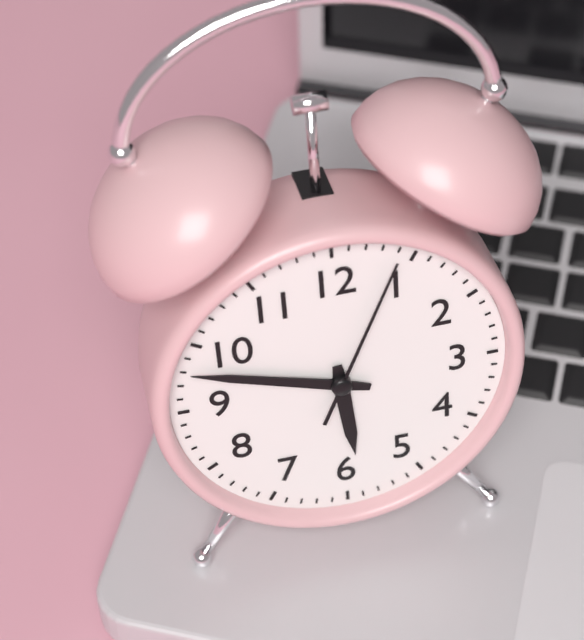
5.48.04
